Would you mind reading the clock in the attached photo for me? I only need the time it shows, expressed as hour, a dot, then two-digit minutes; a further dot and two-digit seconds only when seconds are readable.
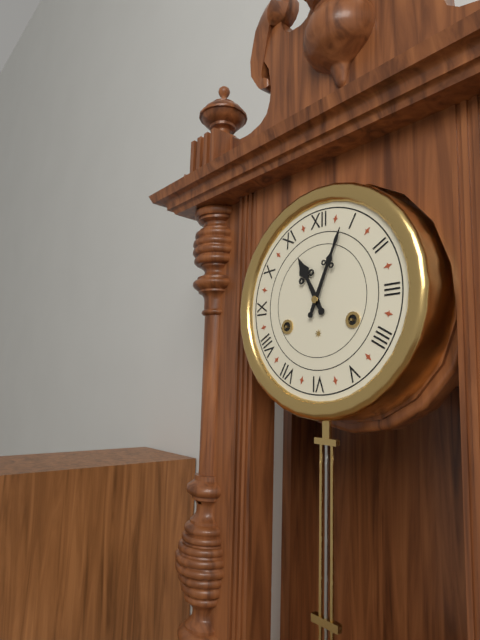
11.04
